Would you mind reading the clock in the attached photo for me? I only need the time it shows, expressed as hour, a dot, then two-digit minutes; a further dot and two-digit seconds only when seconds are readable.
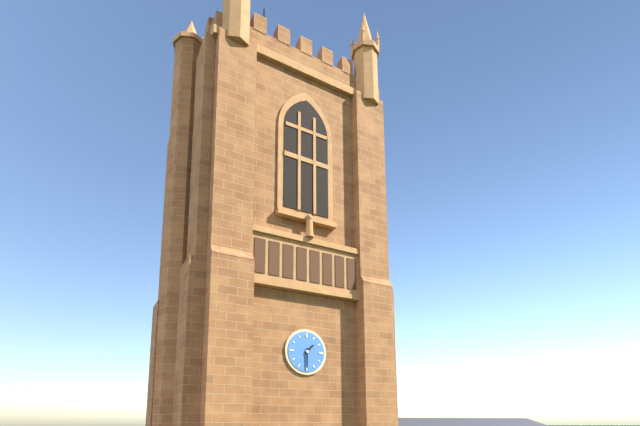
1.30
